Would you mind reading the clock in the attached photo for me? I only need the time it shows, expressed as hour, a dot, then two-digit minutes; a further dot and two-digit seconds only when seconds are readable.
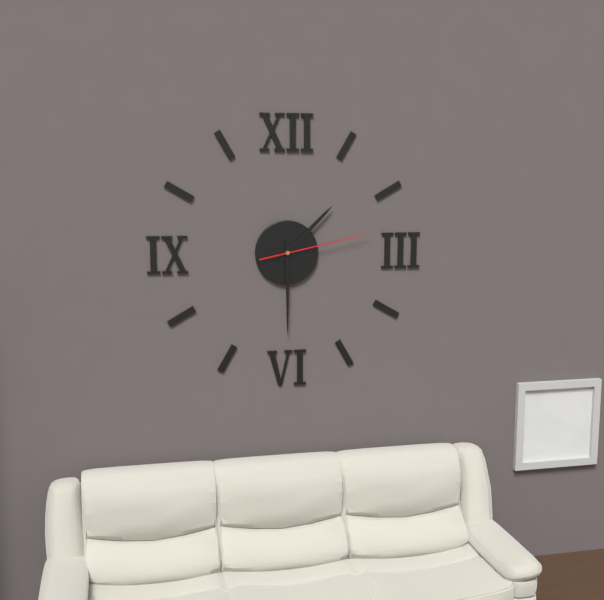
1.30.13
